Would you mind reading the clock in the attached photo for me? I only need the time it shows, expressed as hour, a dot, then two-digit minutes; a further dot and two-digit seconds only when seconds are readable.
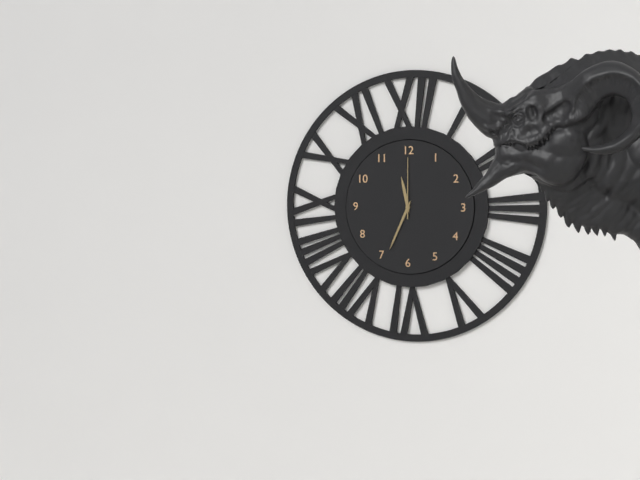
11.34.00
